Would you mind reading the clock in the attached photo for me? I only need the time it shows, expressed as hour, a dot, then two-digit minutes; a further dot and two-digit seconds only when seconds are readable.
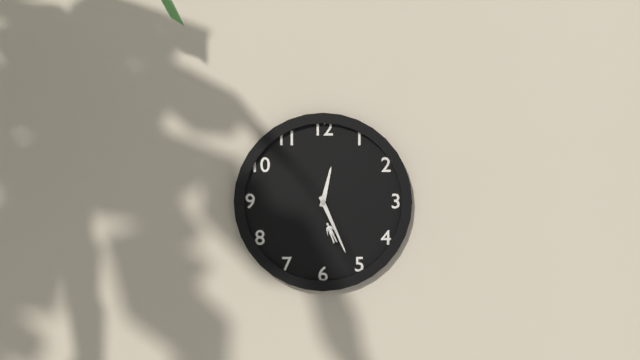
12.26
